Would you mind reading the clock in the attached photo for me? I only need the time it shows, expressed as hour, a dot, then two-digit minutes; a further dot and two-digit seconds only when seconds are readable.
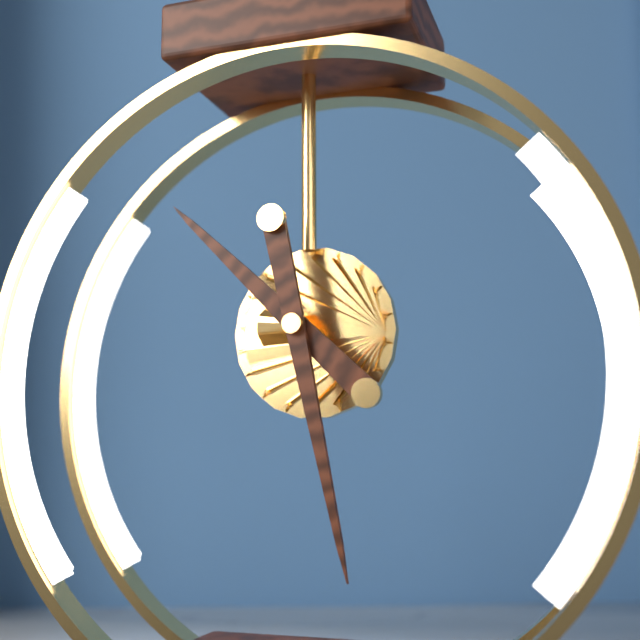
10.28
